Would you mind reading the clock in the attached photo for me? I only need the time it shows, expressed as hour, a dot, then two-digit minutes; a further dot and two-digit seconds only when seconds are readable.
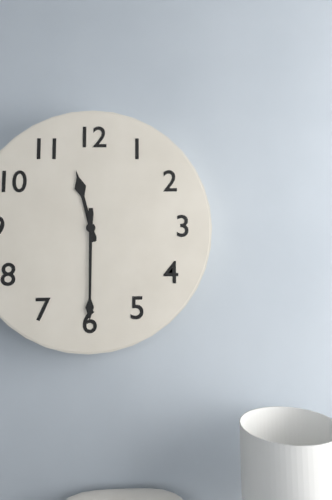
11.30
